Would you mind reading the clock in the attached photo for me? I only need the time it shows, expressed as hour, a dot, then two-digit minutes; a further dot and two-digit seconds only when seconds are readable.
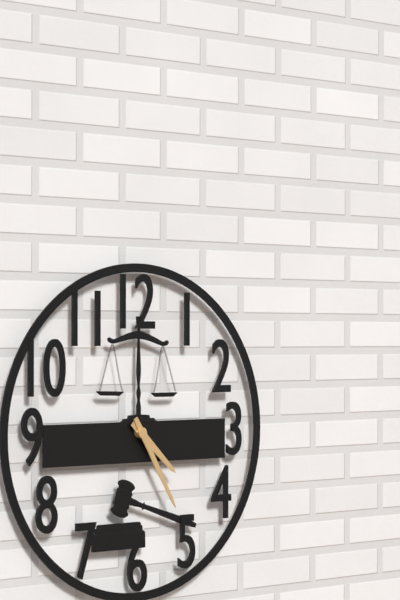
4.25
